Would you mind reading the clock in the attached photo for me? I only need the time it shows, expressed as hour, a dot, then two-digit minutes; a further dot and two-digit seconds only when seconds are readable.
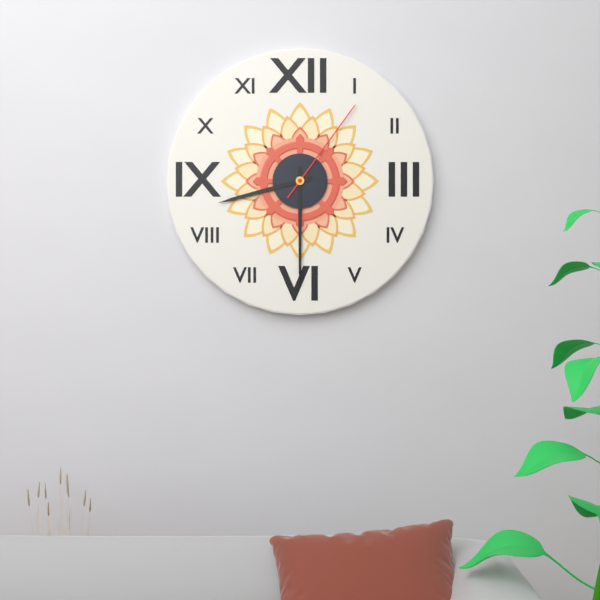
8.30.06
